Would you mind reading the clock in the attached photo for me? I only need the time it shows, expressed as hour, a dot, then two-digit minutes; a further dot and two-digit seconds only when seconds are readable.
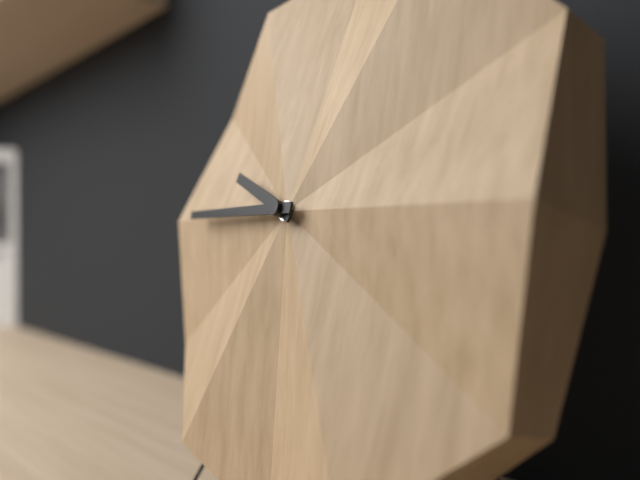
9.45
